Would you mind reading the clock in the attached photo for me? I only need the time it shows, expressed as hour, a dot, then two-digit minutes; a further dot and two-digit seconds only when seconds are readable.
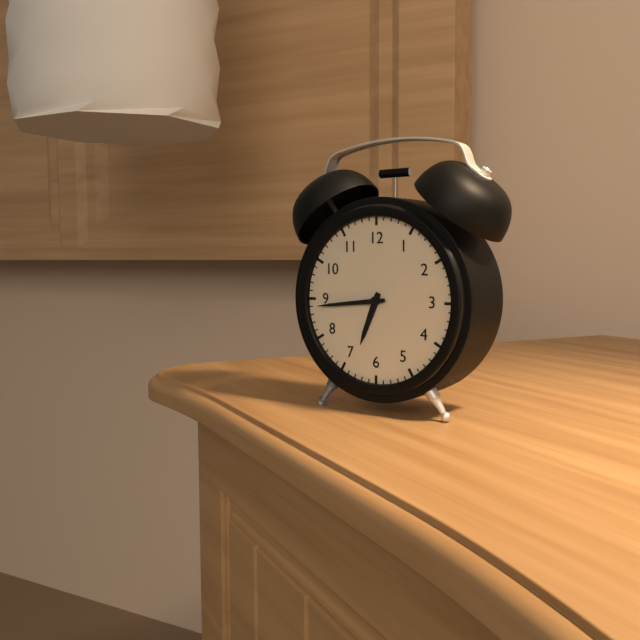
6.44
